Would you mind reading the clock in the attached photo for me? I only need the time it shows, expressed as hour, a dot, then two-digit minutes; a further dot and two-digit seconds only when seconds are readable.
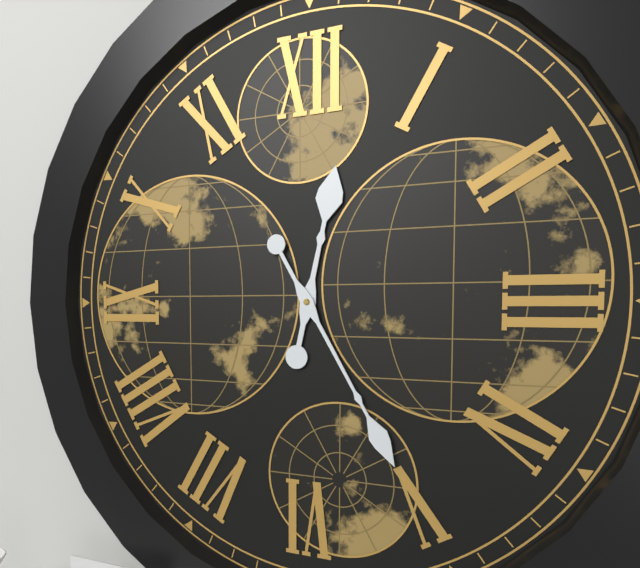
12.25
